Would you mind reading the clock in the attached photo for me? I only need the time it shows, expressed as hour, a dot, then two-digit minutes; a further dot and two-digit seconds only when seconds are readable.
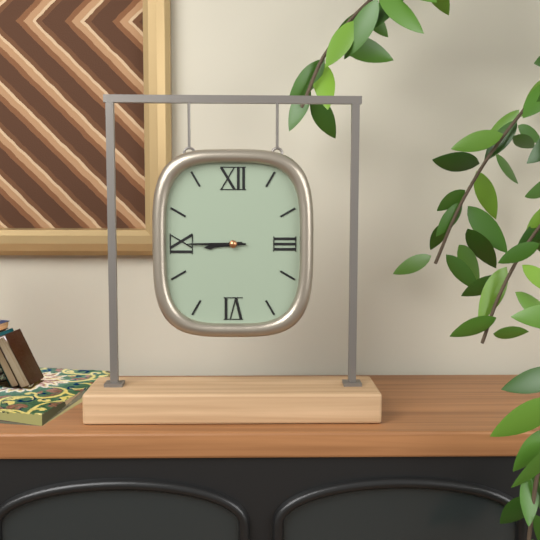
8.45
